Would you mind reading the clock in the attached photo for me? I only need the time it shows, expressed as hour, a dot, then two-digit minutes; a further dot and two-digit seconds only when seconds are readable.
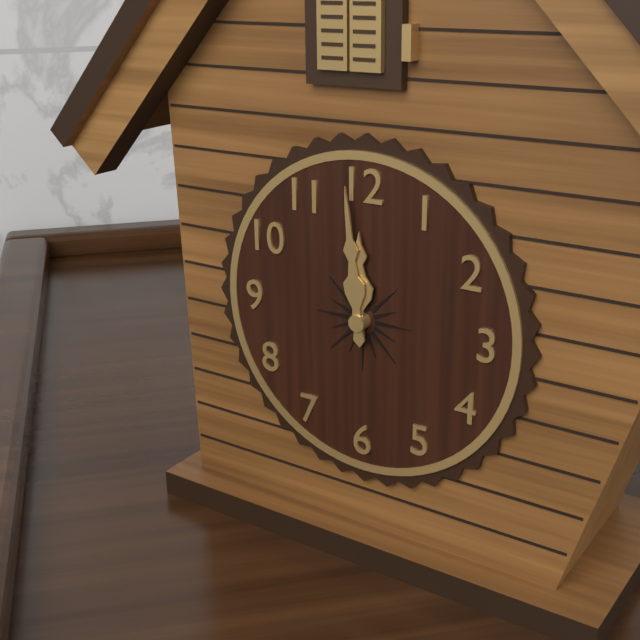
11.59
